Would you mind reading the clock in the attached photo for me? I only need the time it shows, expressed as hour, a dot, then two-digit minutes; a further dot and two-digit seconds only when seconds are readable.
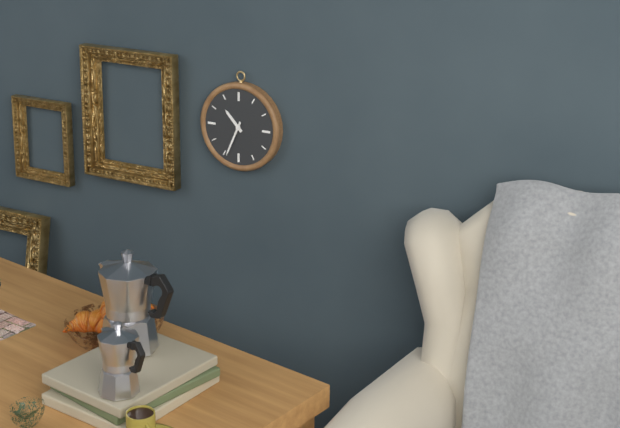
10.34
